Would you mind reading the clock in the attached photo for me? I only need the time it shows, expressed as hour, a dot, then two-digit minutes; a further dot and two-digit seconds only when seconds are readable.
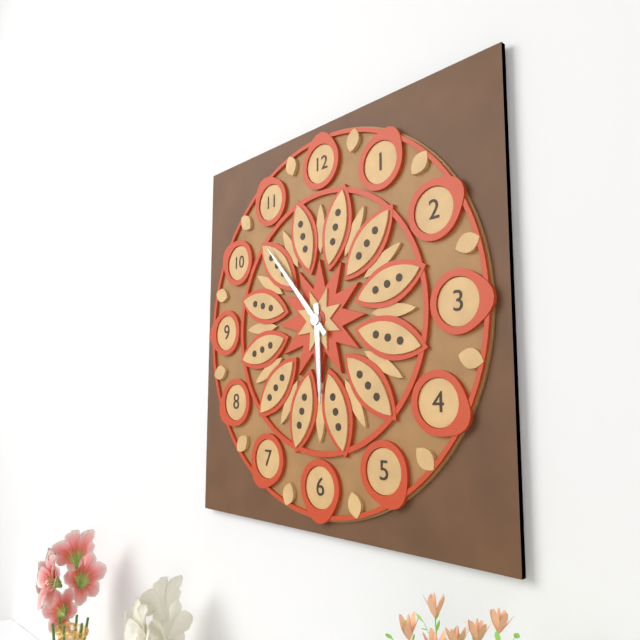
5.53
